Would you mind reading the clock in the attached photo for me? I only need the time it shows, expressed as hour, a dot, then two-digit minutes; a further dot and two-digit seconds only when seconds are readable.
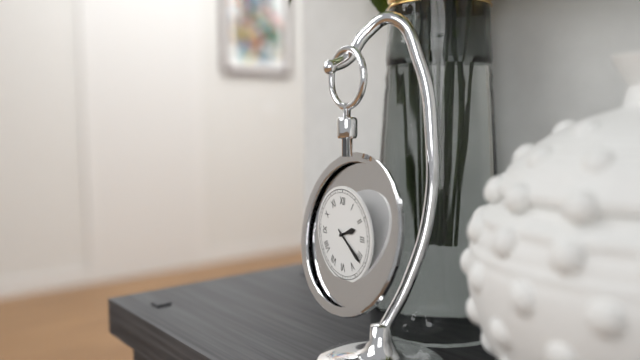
2.21
